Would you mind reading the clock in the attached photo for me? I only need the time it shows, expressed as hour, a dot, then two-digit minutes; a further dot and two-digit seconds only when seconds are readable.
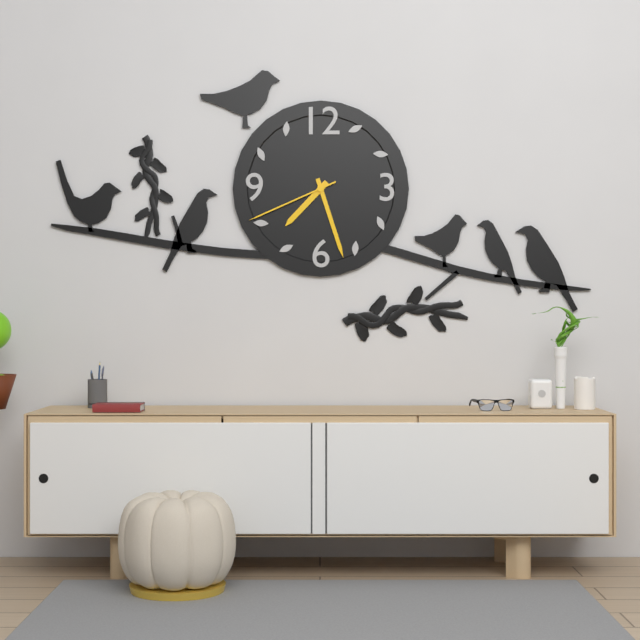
7.27.41
